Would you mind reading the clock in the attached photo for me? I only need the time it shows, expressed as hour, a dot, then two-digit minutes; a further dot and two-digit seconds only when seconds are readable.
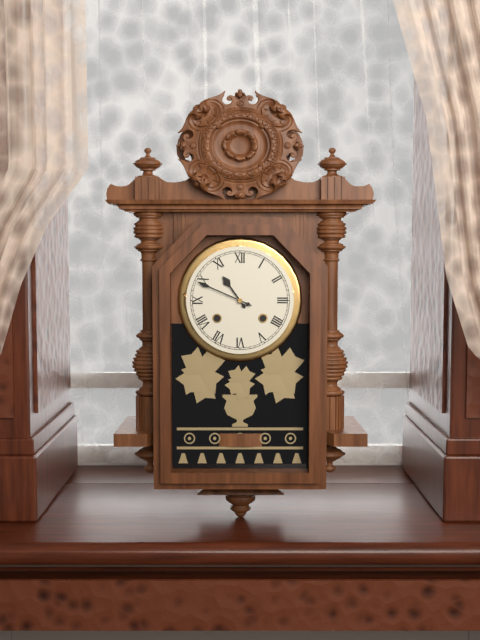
10.49
